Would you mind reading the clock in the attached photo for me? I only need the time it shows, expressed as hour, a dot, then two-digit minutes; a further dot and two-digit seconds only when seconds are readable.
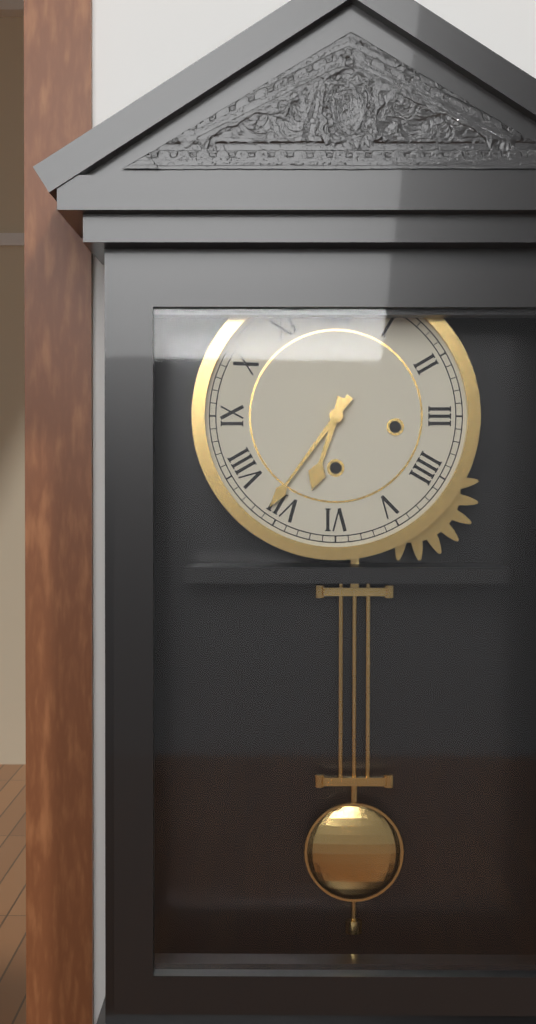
6.36
